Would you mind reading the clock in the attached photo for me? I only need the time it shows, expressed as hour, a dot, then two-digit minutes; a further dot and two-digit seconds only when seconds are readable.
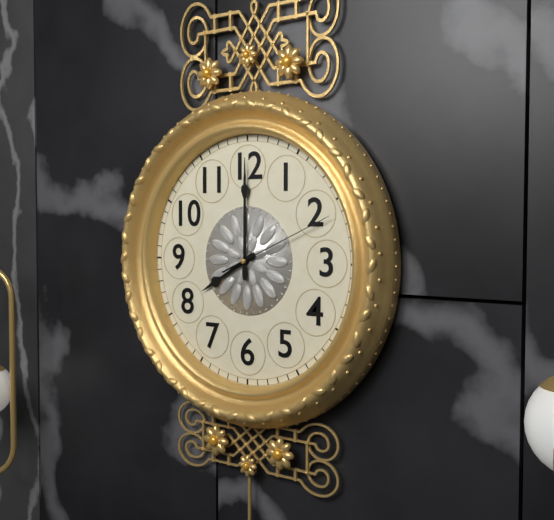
8.00.11
